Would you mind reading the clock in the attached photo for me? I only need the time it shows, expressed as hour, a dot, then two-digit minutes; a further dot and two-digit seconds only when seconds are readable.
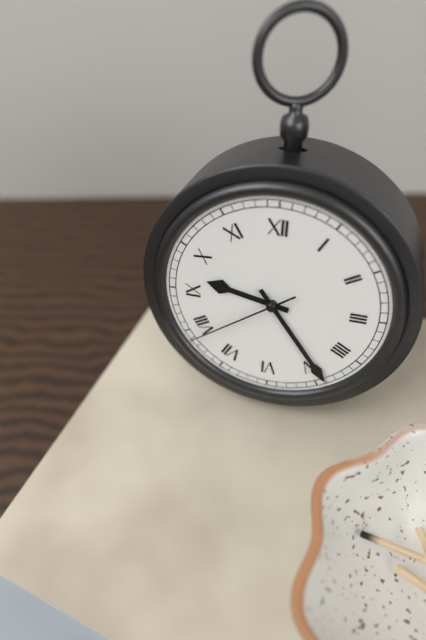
9.24.39
